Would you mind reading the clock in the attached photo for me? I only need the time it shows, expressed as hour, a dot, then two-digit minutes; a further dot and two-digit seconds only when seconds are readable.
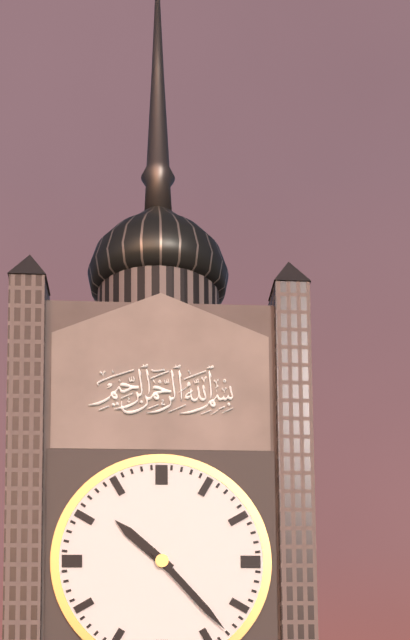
10.23
